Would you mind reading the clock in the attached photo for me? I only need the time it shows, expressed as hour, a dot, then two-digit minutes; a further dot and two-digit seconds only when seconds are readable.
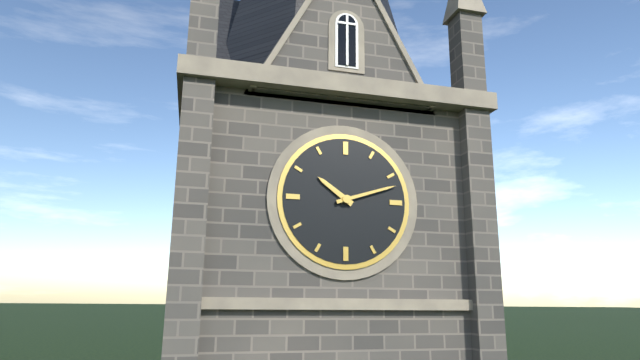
10.12
